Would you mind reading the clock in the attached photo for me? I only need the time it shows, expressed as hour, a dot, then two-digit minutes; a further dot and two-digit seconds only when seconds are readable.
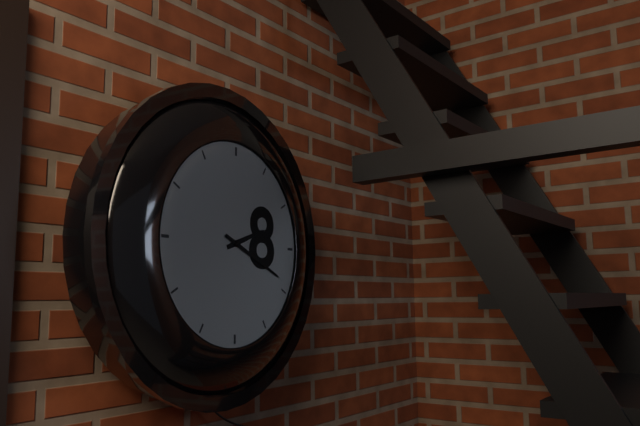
2.19
